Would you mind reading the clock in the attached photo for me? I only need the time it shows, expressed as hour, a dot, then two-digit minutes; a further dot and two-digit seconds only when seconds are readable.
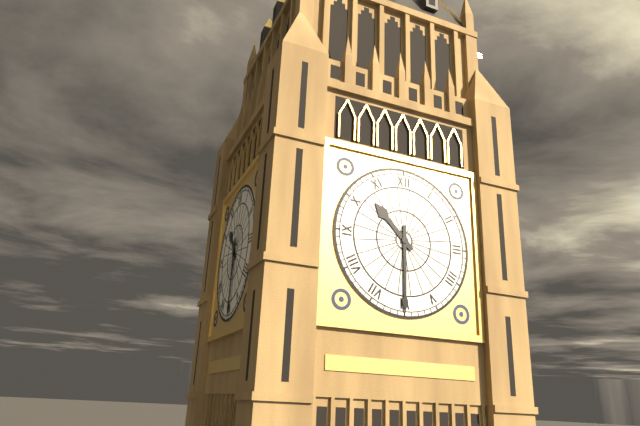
10.30
